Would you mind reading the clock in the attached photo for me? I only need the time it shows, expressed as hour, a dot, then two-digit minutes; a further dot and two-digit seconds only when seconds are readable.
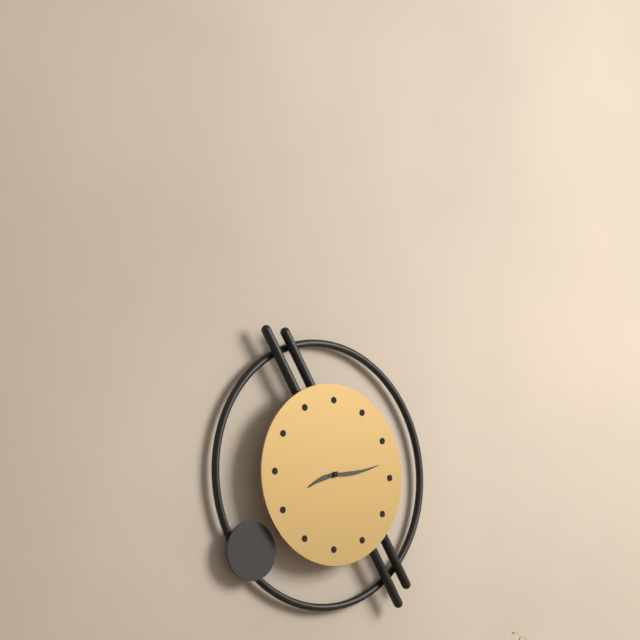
8.13
